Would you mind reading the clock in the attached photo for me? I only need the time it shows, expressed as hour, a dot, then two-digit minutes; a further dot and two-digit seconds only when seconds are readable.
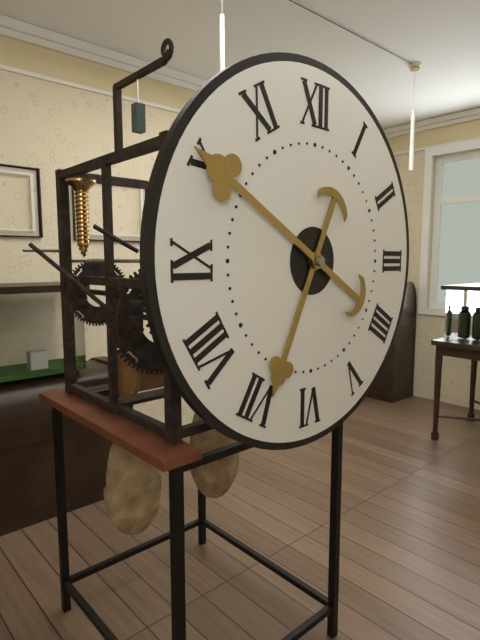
6.50
